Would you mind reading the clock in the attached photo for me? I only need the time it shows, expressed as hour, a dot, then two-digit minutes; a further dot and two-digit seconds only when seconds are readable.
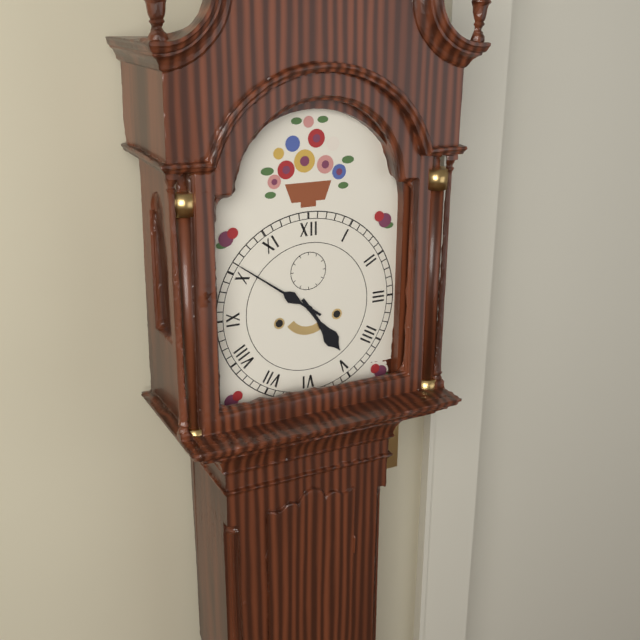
4.51
